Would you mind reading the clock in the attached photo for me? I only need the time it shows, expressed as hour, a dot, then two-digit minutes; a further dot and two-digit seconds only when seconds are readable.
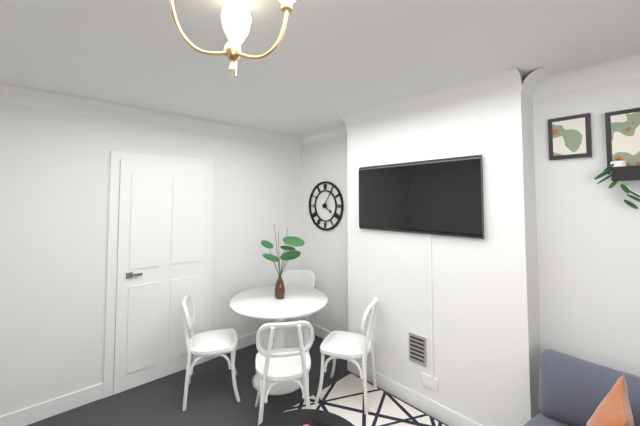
4.06
